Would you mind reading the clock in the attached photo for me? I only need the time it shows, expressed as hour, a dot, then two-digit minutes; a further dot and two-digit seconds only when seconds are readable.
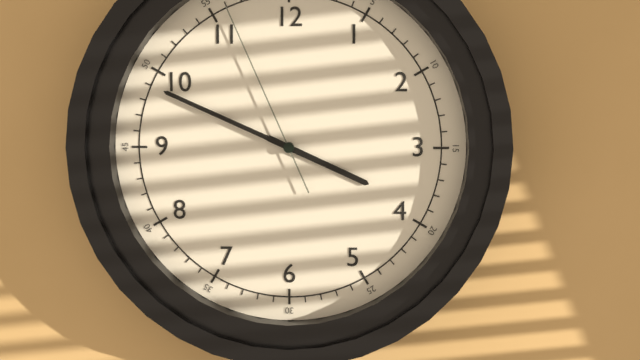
3.49.56
